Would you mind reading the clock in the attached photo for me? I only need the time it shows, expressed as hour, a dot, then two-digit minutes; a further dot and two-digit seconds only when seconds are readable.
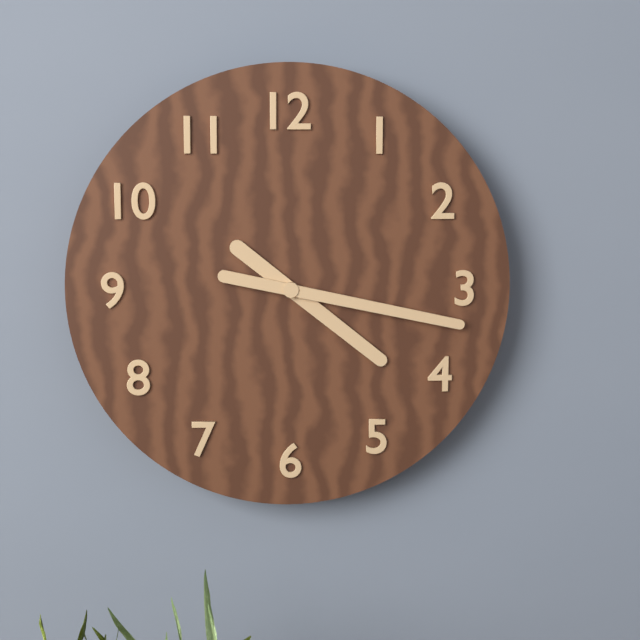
4.17
